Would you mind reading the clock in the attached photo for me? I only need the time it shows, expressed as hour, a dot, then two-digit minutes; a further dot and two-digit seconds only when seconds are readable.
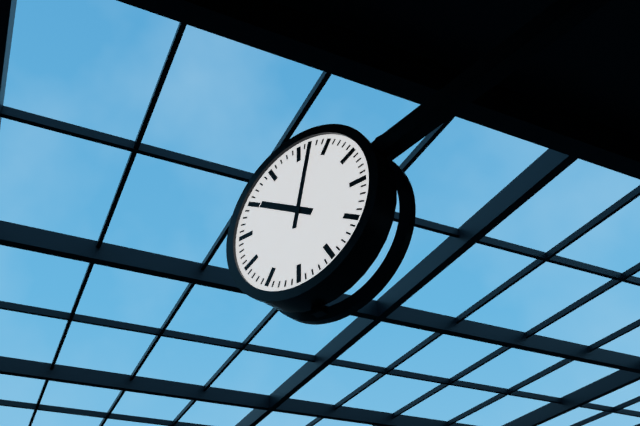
10.02
